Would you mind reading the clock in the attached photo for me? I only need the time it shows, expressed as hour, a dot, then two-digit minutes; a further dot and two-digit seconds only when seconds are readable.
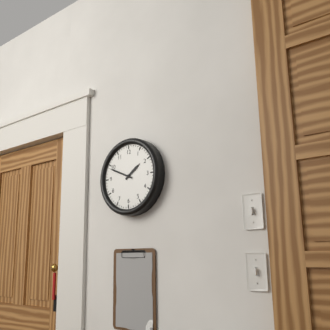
1.49
